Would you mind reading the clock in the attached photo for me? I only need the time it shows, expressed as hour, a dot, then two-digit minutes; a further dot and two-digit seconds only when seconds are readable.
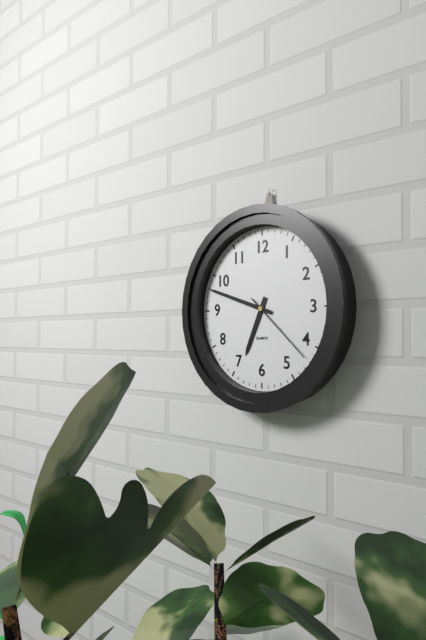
6.48.22
